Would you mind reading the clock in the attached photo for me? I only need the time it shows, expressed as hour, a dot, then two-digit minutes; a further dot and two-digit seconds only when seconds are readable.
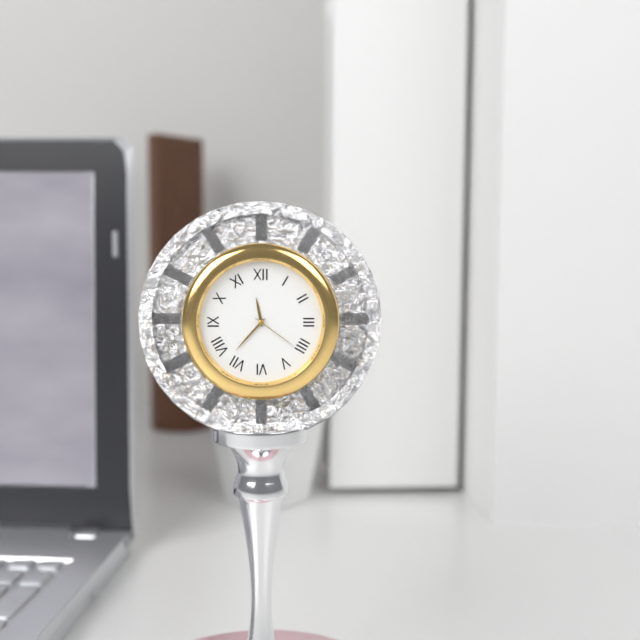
11.37.21
